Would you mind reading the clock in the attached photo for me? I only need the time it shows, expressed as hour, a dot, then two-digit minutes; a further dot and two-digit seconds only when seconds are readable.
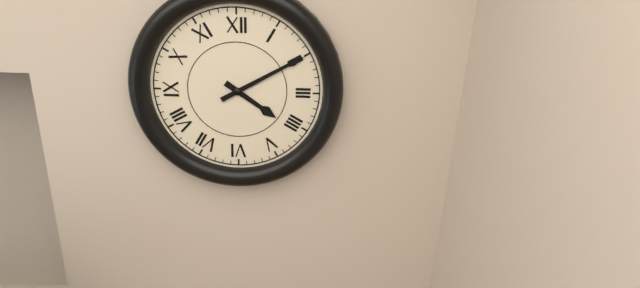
4.10
